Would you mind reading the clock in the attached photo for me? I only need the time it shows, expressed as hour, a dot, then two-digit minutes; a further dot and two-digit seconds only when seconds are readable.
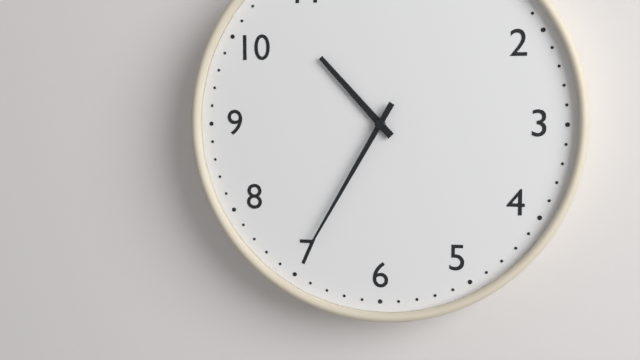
10.35
